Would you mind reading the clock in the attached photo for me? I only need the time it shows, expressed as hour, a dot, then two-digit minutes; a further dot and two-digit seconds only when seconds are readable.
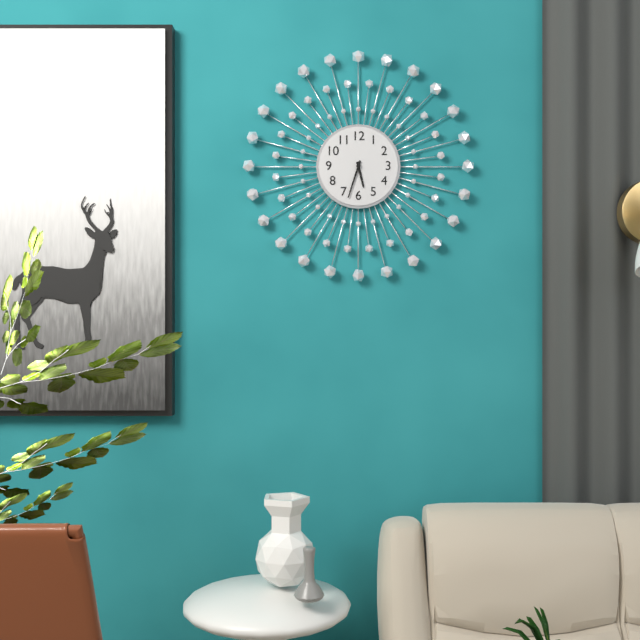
5.33
